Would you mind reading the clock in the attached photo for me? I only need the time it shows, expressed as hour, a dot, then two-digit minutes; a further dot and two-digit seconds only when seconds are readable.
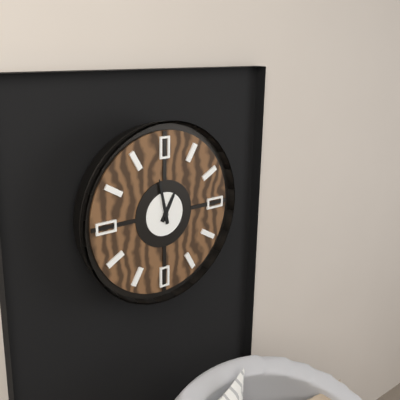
12.58
